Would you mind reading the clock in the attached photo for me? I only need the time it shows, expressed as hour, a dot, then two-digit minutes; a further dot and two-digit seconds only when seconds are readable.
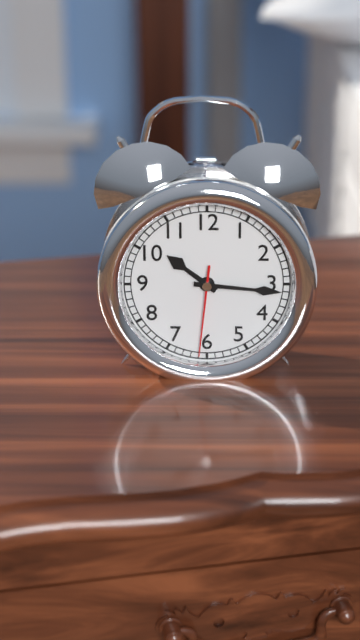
10.16.31
